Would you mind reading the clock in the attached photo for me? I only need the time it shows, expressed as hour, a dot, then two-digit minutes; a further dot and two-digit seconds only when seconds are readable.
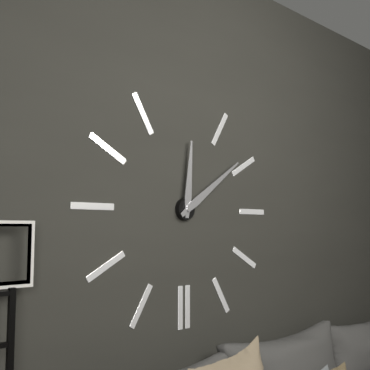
12.09
